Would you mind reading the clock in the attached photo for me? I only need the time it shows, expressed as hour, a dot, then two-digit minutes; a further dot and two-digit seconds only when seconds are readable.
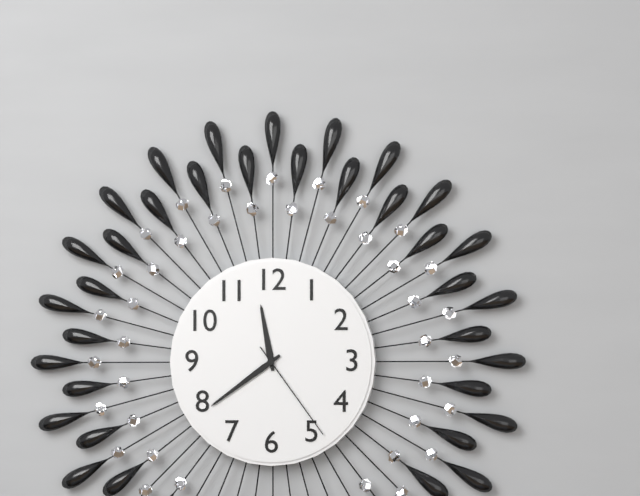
11.39.24
